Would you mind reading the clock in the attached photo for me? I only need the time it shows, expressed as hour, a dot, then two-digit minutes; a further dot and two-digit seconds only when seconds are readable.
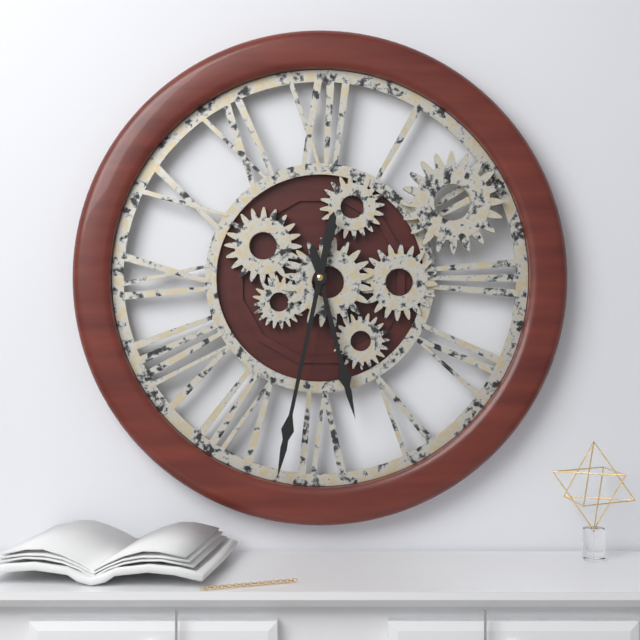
5.32
